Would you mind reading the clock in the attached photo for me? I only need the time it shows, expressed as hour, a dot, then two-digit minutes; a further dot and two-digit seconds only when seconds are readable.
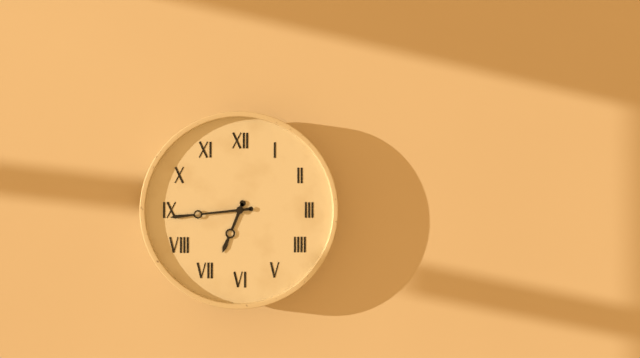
6.44
